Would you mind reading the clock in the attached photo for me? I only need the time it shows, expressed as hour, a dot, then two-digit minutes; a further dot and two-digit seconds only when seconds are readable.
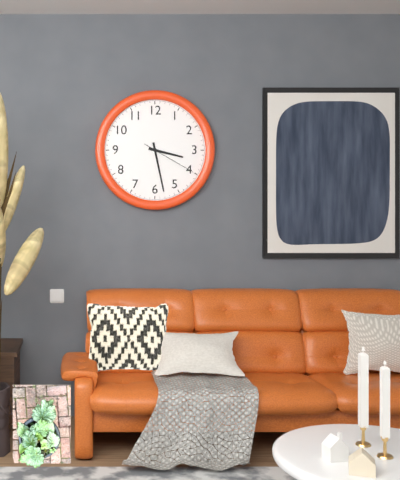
3.28.20
